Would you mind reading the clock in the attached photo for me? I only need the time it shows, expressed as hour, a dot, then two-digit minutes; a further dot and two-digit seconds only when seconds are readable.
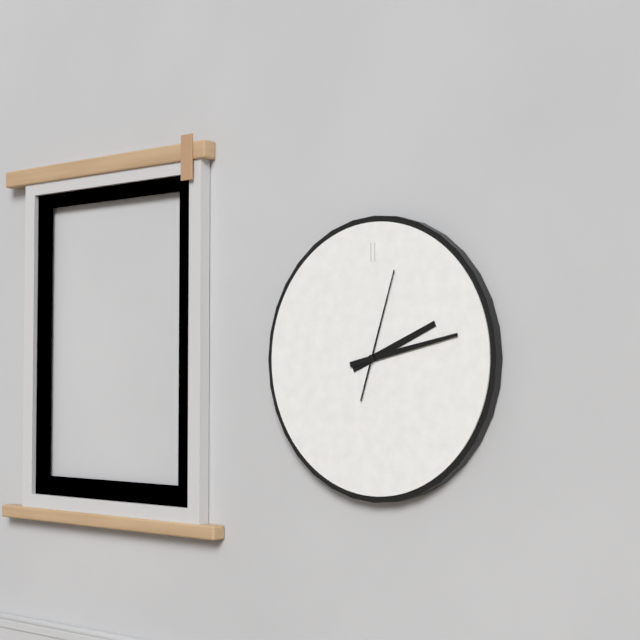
2.13.03
